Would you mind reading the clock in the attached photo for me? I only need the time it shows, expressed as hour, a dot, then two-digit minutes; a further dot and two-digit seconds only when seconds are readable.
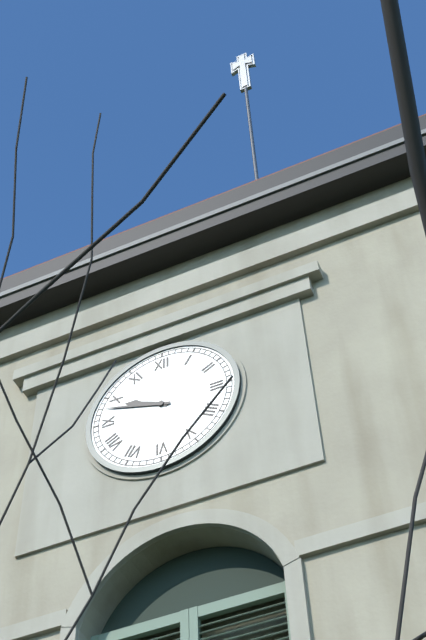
9.48
